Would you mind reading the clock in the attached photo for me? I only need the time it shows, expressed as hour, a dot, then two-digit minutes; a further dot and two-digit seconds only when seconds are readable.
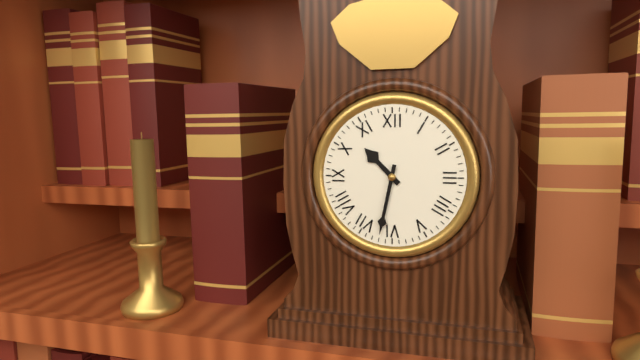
10.32
